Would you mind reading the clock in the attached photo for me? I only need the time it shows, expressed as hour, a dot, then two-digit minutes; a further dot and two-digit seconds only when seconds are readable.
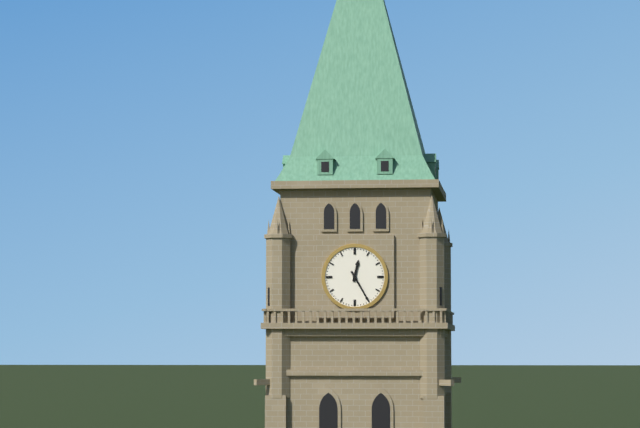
12.25
